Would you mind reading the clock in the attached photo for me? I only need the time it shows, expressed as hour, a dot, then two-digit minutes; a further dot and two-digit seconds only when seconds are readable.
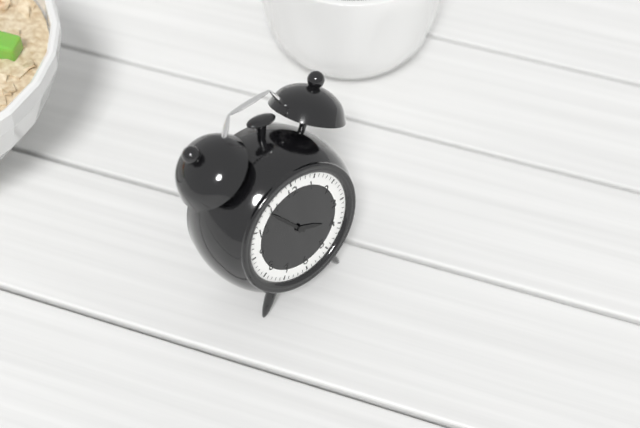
3.54
